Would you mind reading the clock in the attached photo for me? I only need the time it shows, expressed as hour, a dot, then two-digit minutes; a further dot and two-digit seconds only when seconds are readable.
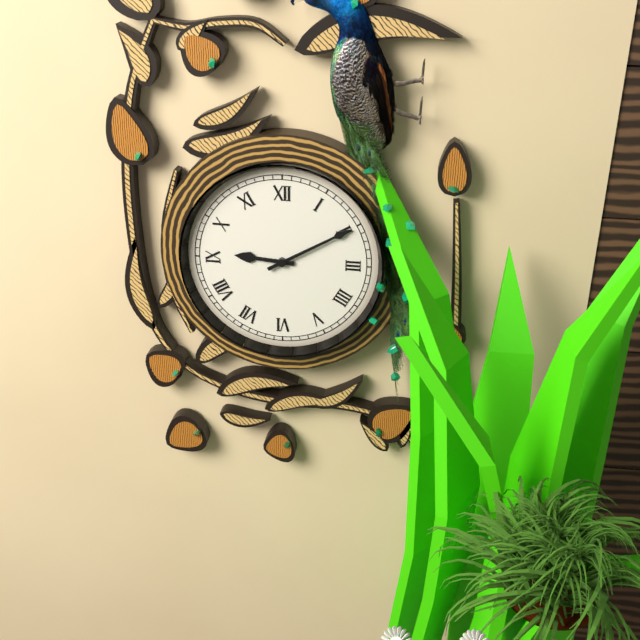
9.10
